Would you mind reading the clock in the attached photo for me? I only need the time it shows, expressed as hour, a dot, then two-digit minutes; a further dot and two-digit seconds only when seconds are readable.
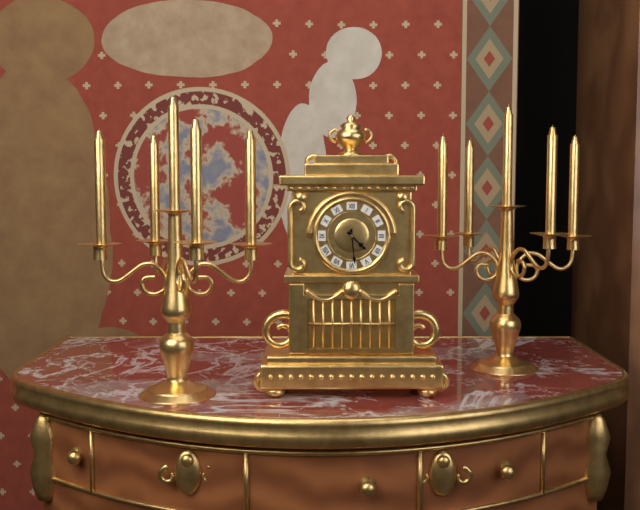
4.29
